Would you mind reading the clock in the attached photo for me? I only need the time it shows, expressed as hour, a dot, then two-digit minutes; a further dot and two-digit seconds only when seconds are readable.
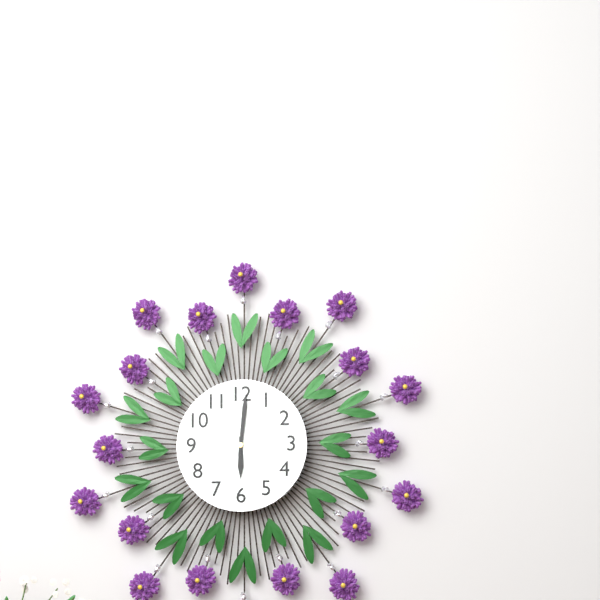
6.01
